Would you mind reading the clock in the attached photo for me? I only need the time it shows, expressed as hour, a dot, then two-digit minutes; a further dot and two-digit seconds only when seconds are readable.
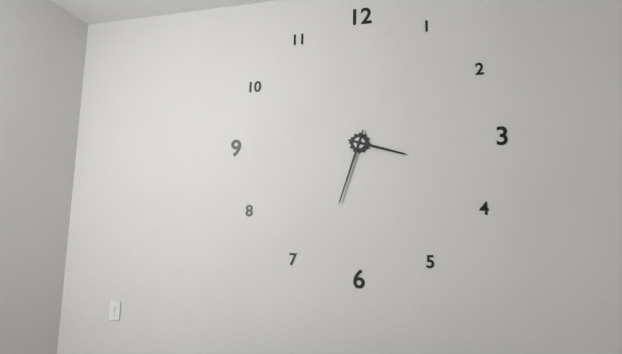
3.33
